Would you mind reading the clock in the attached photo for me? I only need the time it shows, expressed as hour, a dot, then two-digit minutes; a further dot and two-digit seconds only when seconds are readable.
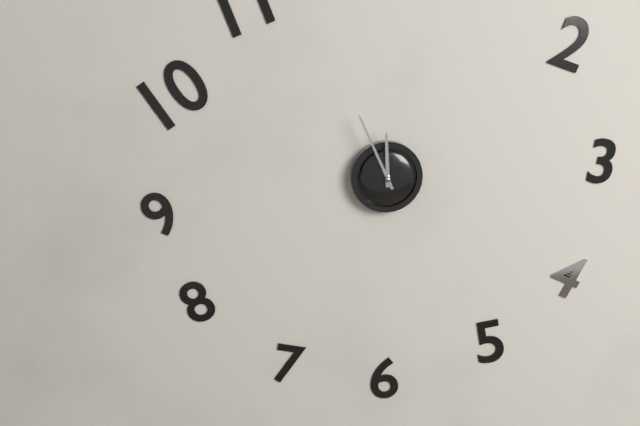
11.56
